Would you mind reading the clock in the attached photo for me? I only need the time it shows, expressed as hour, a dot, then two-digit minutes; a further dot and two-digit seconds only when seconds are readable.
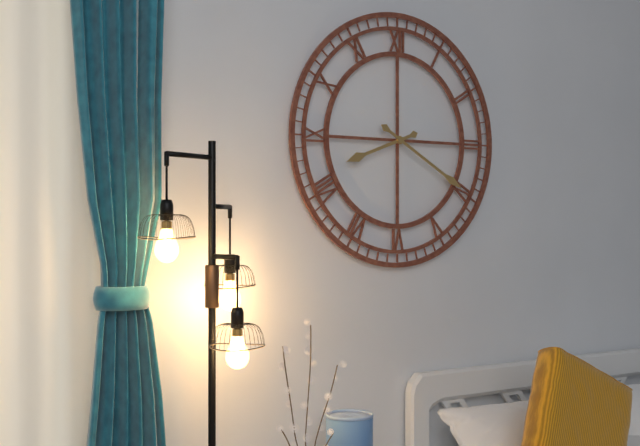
8.20
